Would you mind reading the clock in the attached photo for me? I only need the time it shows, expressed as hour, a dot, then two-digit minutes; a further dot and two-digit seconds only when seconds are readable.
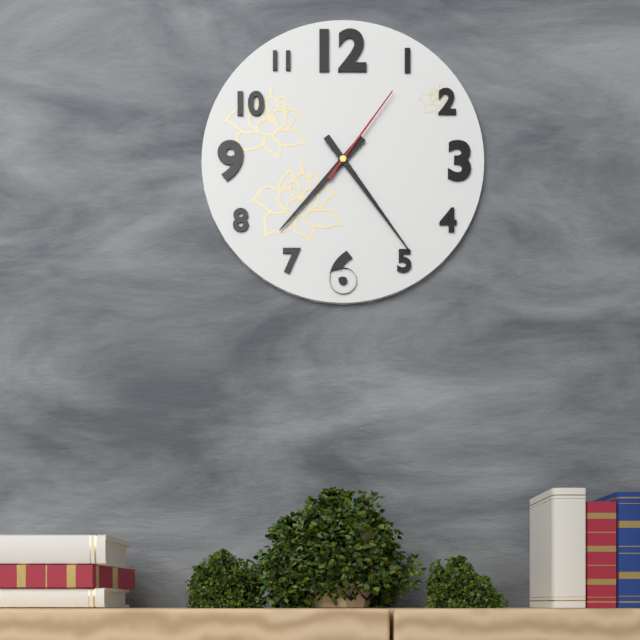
7.24.06
